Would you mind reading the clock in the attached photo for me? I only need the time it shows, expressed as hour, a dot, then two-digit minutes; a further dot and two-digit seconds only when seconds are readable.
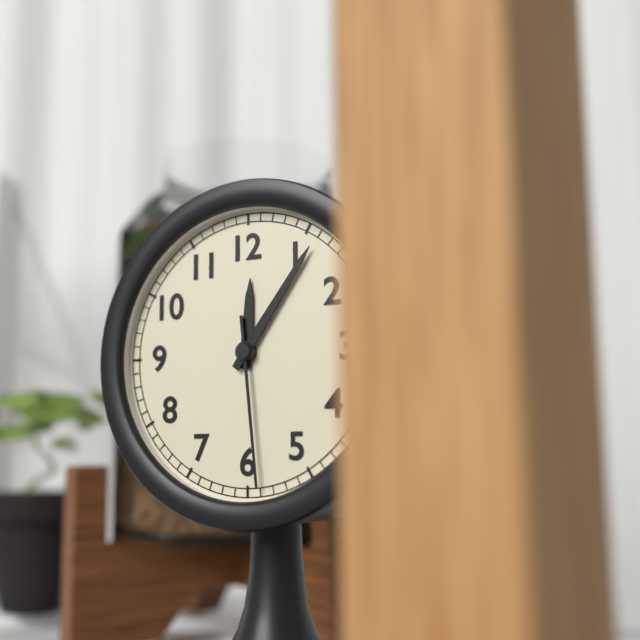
12.06.29
